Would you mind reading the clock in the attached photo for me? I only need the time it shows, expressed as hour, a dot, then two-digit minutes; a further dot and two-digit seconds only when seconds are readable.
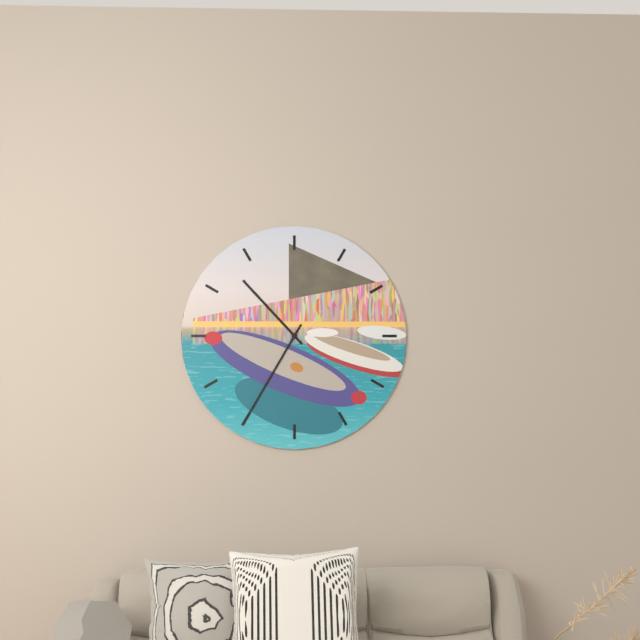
10.35
